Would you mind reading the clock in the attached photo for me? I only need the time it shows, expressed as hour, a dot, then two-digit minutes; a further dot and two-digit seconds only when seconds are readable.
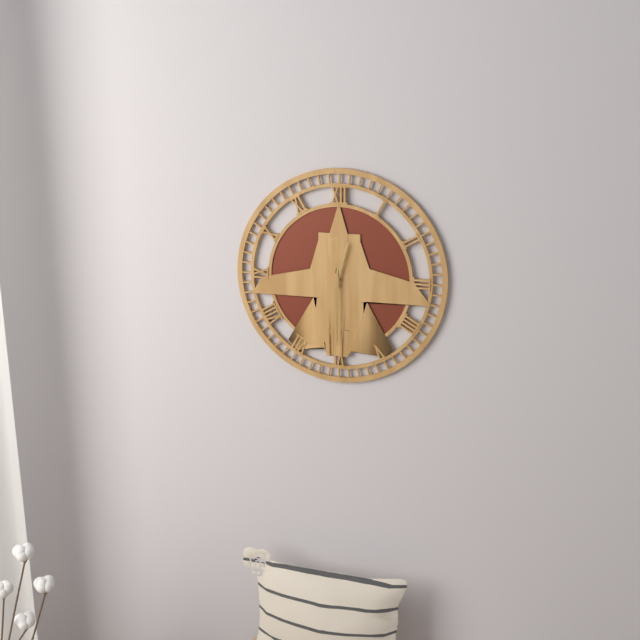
12.30
